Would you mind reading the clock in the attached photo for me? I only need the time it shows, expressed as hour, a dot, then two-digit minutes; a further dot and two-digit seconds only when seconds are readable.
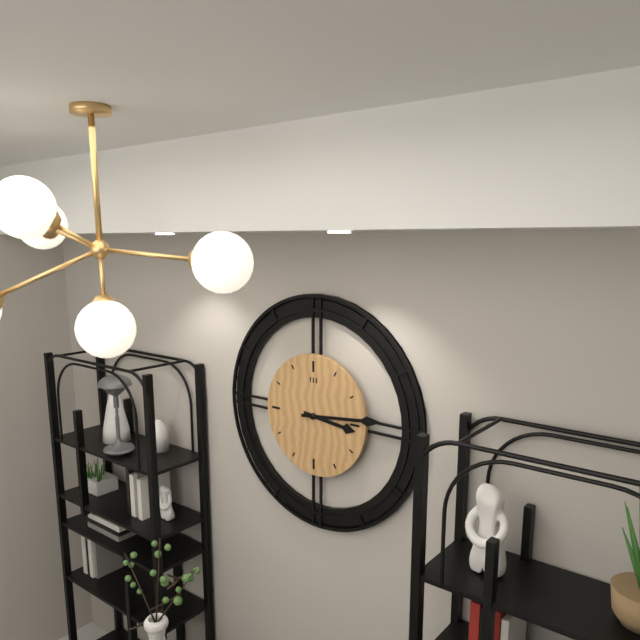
3.14
